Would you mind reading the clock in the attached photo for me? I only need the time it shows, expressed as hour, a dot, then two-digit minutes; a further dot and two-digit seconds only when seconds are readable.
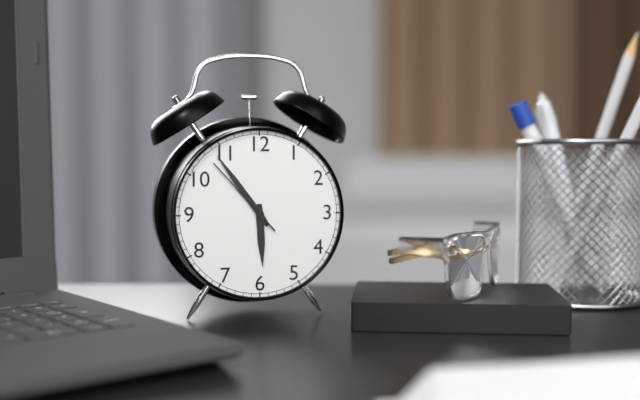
5.54.53
